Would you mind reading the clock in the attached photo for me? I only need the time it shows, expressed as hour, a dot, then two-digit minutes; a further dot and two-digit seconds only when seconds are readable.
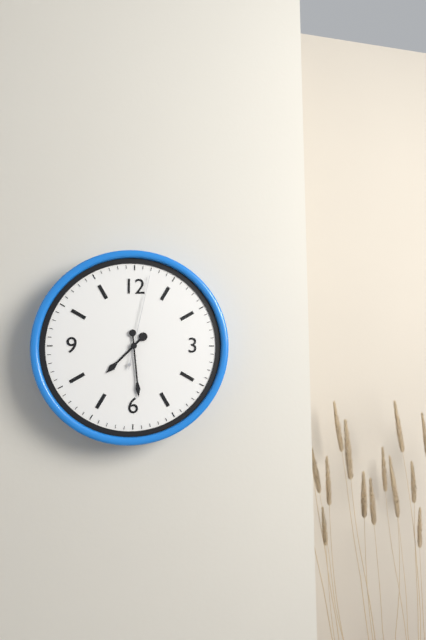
7.29.02
